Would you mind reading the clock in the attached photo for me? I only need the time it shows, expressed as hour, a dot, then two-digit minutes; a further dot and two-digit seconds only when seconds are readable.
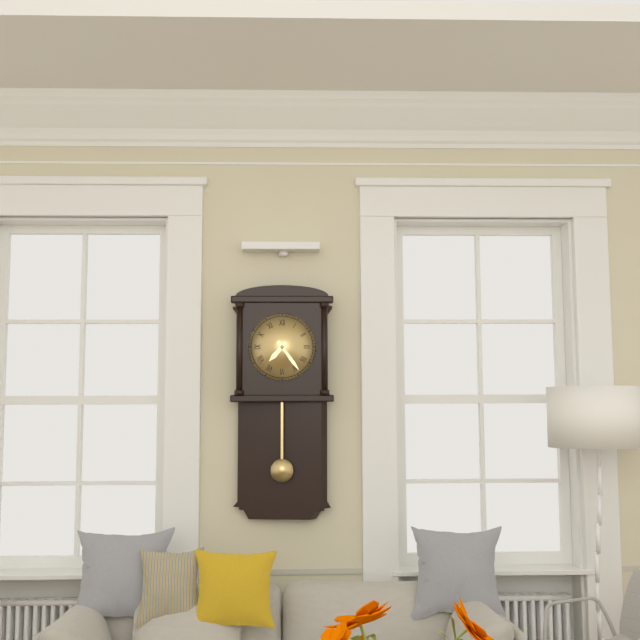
7.24
